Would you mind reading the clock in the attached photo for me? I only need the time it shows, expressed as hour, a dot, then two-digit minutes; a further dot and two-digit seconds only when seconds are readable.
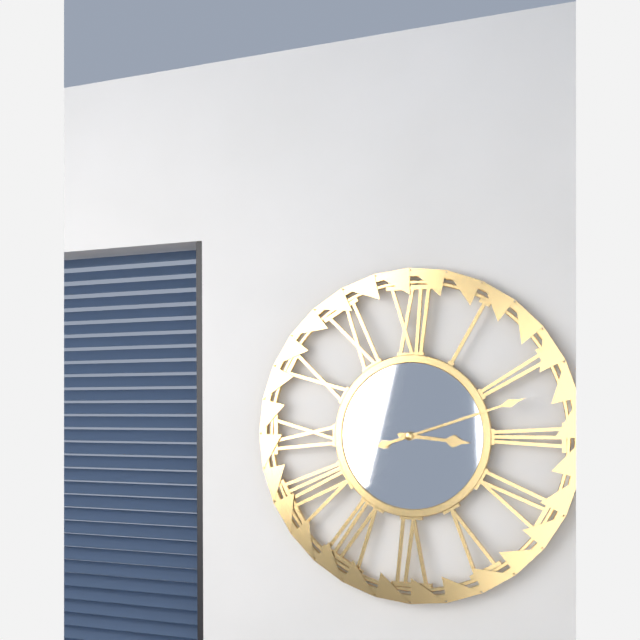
3.12
